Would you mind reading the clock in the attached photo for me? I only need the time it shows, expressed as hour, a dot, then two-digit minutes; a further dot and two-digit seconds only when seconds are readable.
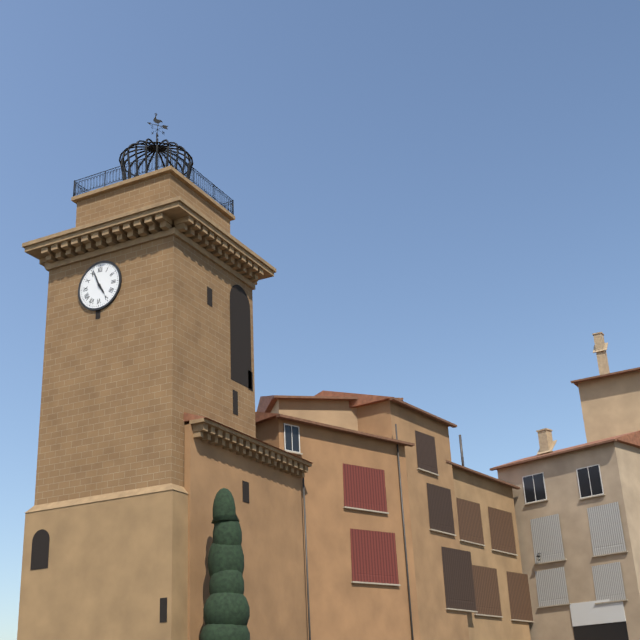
4.56
